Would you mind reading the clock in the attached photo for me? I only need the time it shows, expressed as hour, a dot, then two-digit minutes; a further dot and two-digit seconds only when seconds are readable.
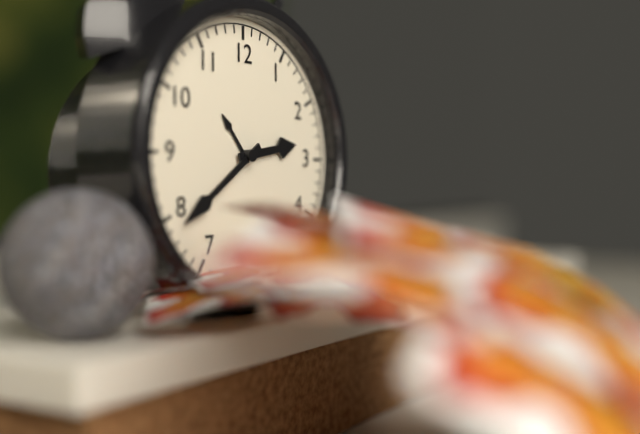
2.39
